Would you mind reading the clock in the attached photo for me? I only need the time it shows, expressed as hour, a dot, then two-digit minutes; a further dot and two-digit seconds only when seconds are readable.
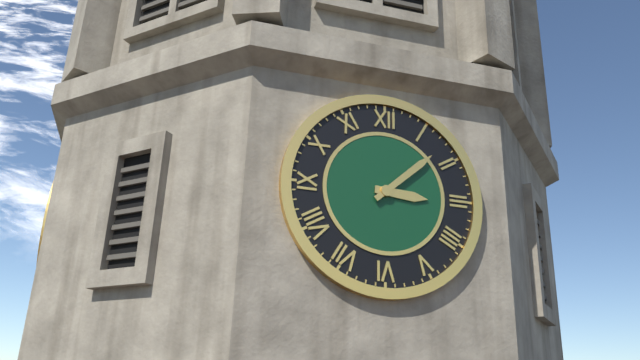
3.08
